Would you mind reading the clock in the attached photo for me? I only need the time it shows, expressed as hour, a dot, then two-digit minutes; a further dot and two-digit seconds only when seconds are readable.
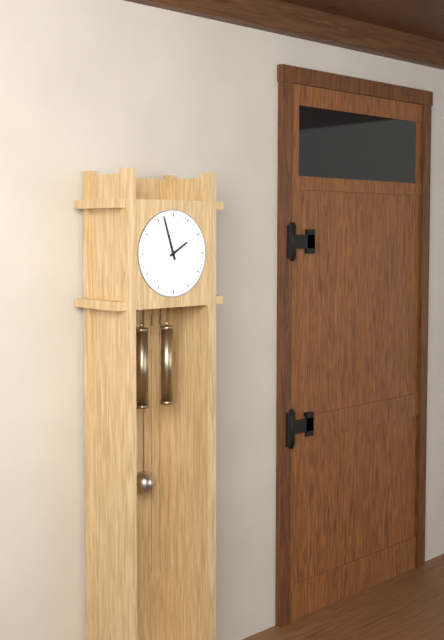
1.57
